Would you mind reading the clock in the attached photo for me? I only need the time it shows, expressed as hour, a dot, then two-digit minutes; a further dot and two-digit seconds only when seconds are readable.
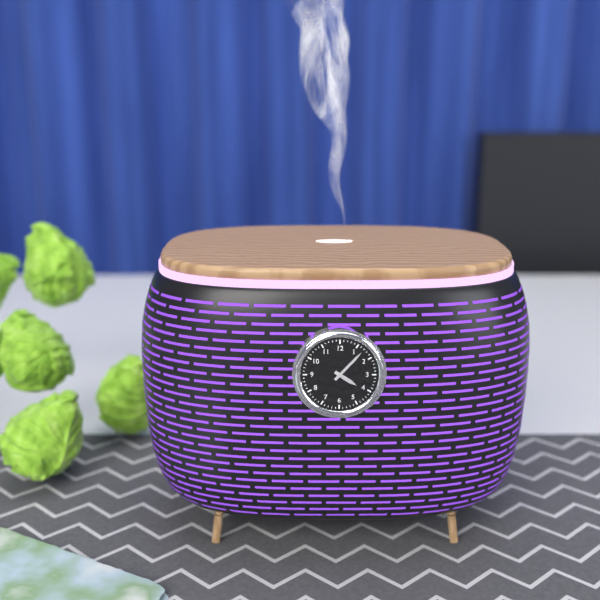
4.07
